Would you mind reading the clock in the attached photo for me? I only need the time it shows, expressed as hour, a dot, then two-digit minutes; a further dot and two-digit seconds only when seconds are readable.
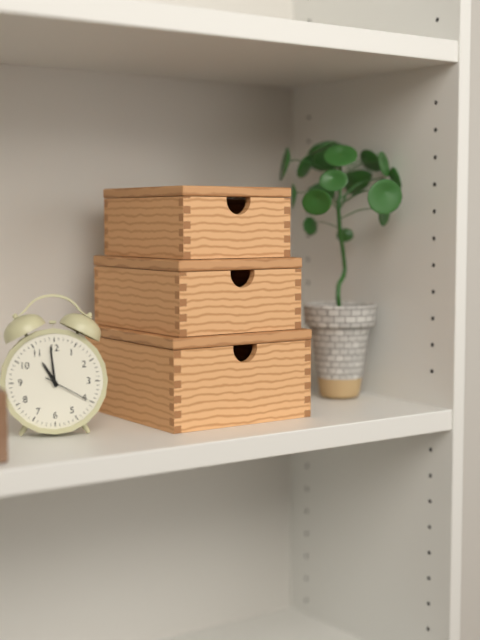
10.59.20
